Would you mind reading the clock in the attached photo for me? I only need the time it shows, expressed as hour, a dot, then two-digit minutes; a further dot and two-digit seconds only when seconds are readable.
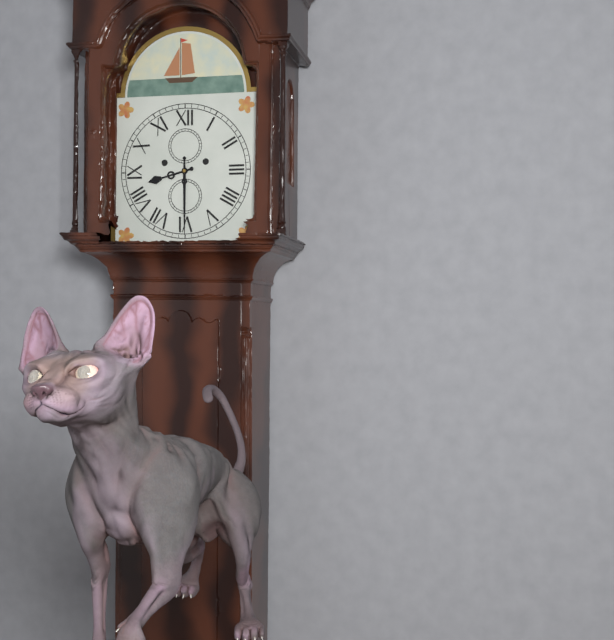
8.30
